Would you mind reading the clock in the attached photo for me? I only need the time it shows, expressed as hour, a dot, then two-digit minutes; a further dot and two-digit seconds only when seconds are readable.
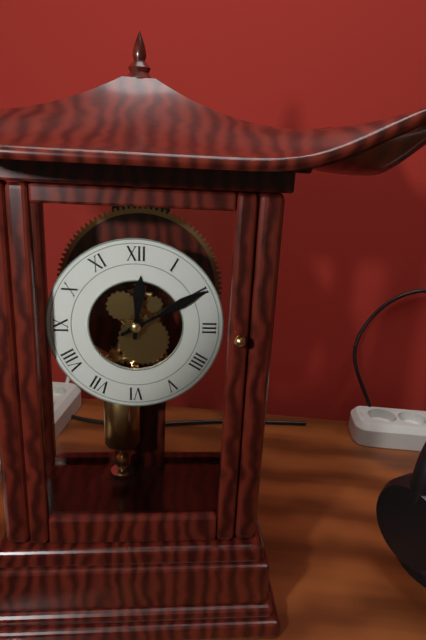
12.10
